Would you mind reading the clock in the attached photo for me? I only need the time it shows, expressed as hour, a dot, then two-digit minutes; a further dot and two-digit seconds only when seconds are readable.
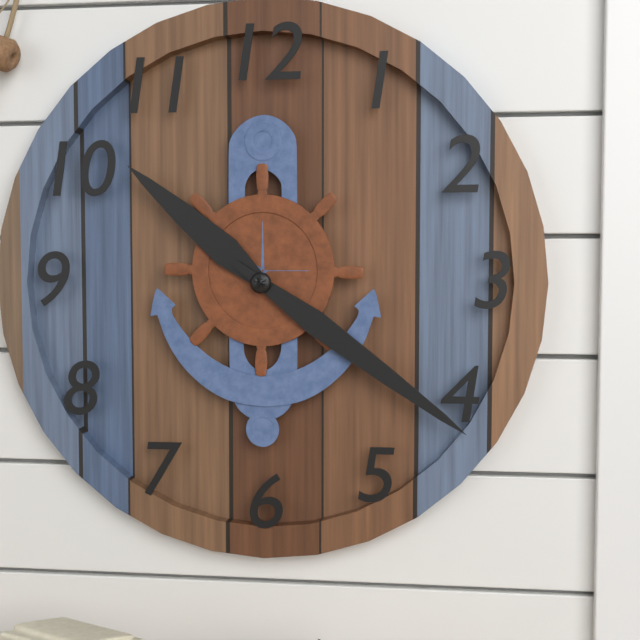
10.21
